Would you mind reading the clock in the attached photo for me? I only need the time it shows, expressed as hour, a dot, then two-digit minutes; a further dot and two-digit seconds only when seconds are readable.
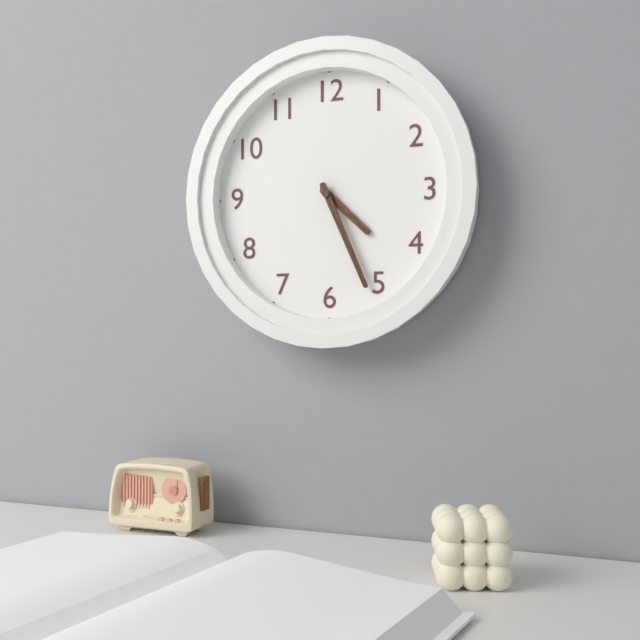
4.26
